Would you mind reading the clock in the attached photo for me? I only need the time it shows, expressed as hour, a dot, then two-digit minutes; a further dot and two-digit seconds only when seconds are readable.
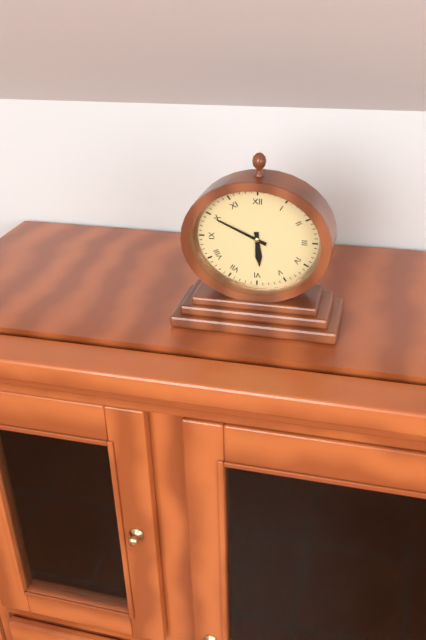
5.49
